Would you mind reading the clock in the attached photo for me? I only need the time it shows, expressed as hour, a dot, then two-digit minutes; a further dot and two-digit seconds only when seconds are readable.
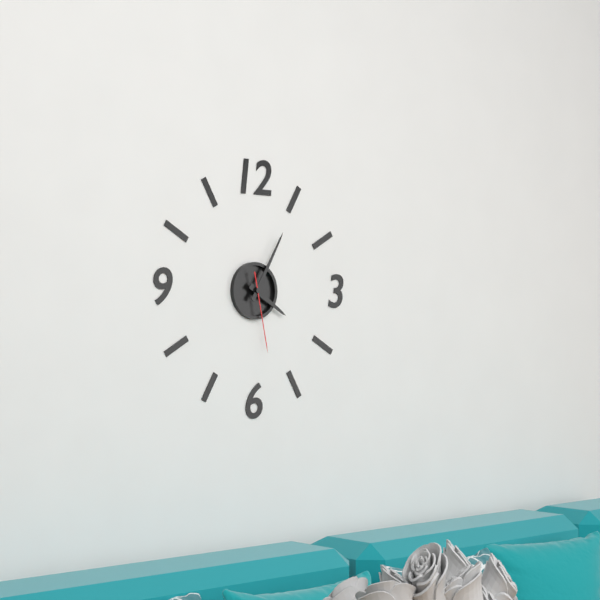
4.05.28
